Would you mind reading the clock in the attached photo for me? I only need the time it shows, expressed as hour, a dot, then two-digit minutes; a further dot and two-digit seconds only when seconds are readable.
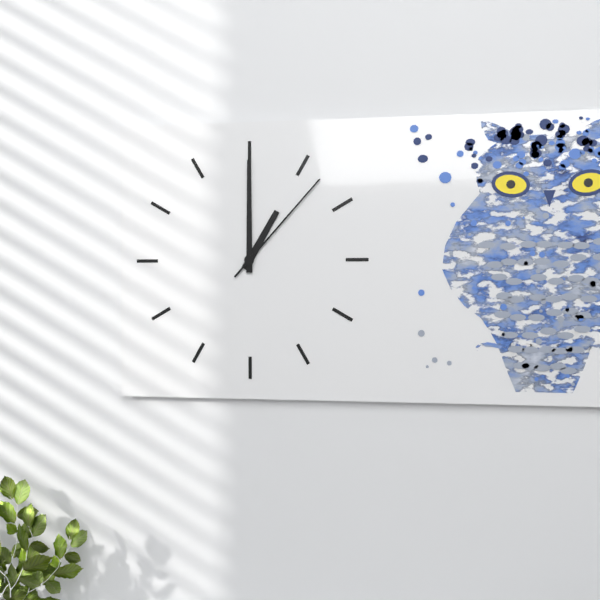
1.00.07
